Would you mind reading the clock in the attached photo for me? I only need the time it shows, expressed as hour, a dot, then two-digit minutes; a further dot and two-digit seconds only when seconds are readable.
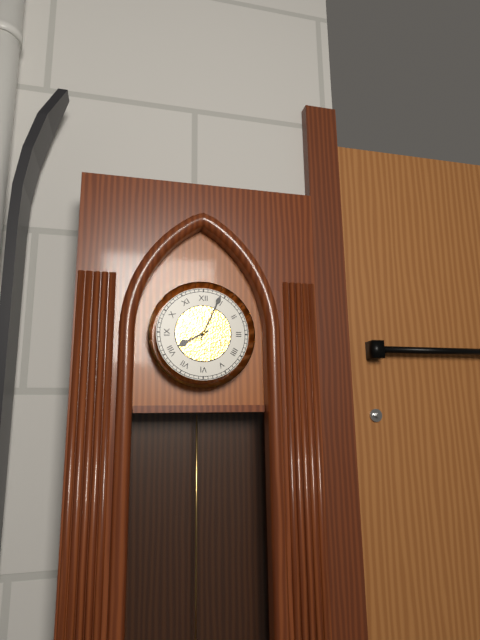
8.04
